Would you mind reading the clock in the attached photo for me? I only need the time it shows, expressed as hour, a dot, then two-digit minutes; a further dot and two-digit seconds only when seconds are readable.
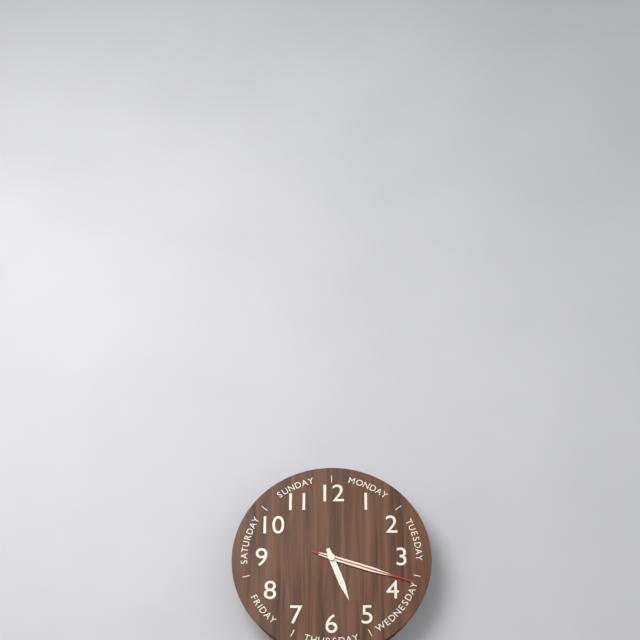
5.18.18
